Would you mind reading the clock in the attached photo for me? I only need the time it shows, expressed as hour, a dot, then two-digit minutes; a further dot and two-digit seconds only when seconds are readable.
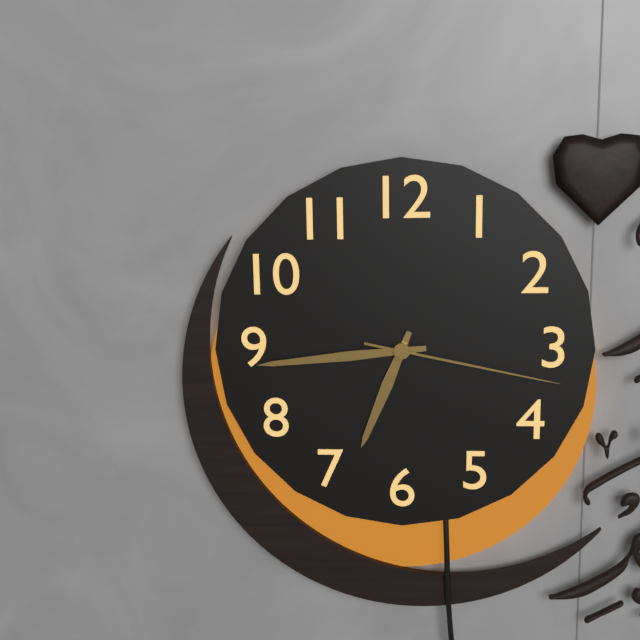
6.44.17
